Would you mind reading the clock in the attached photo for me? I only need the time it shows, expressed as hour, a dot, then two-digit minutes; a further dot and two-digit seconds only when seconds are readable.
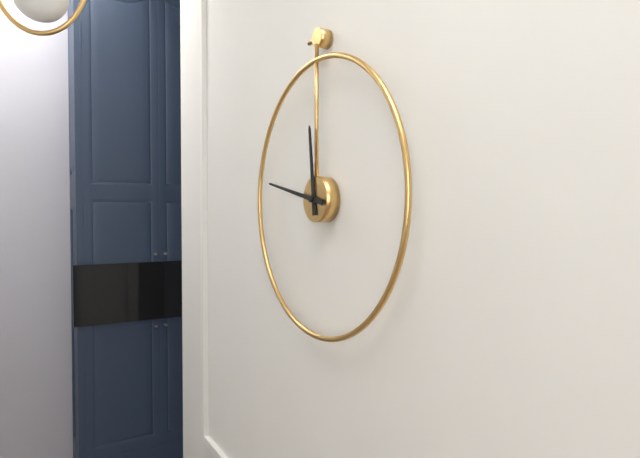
11.47
